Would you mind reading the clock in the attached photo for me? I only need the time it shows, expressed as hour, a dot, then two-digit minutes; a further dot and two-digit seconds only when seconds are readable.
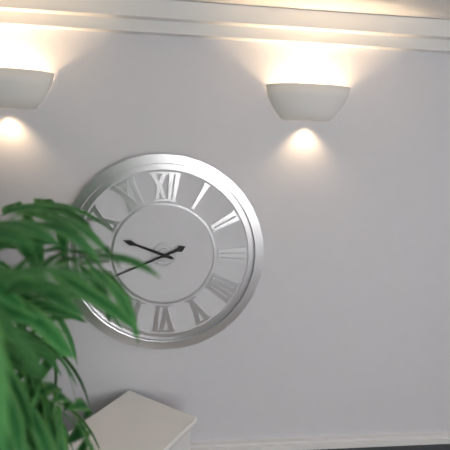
9.41
